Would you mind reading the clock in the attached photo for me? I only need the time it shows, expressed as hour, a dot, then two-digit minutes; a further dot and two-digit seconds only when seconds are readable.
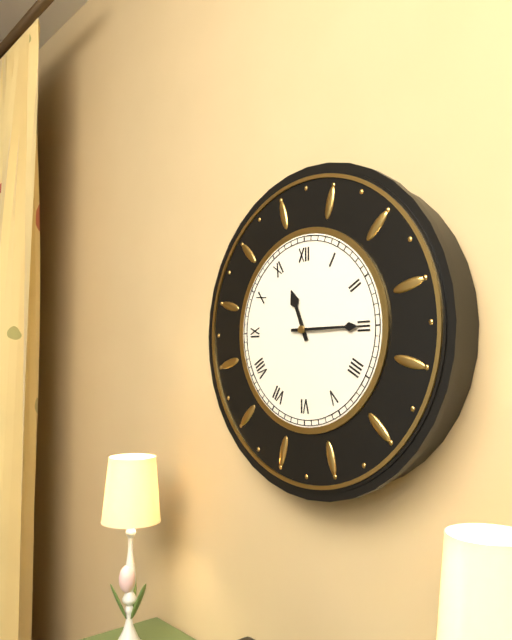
11.15
